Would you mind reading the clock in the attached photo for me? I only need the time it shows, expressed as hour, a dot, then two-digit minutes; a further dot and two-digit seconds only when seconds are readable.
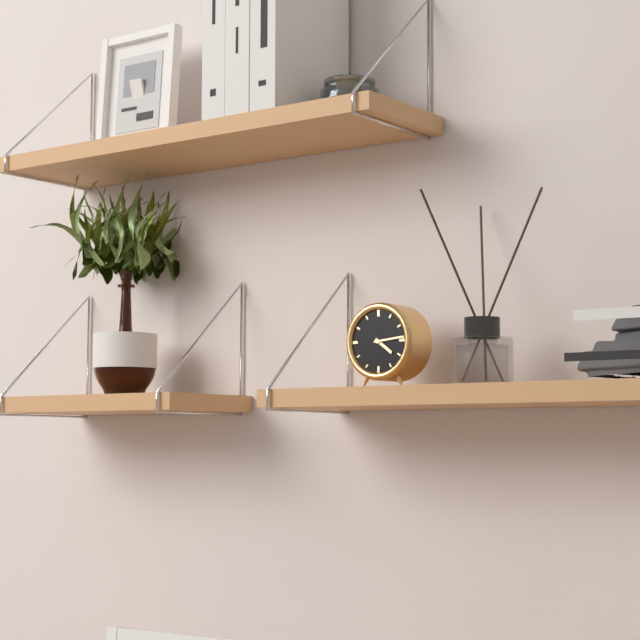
4.14
